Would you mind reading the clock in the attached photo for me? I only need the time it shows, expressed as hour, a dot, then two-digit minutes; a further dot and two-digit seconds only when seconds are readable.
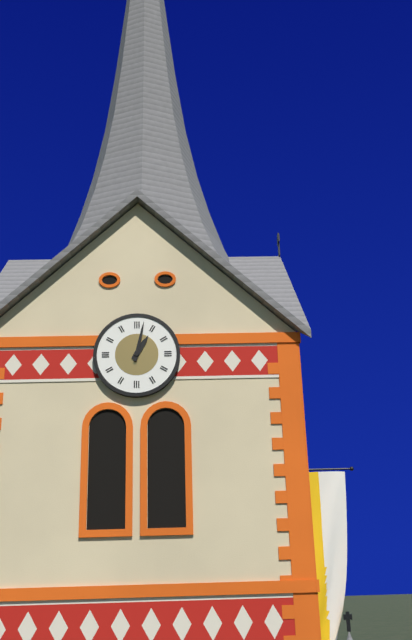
1.02
